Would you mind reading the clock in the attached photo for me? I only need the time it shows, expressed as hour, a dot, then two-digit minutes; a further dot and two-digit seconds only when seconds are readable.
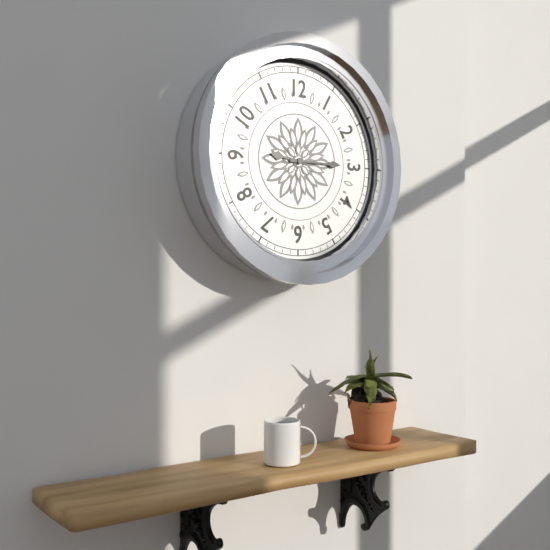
9.15
